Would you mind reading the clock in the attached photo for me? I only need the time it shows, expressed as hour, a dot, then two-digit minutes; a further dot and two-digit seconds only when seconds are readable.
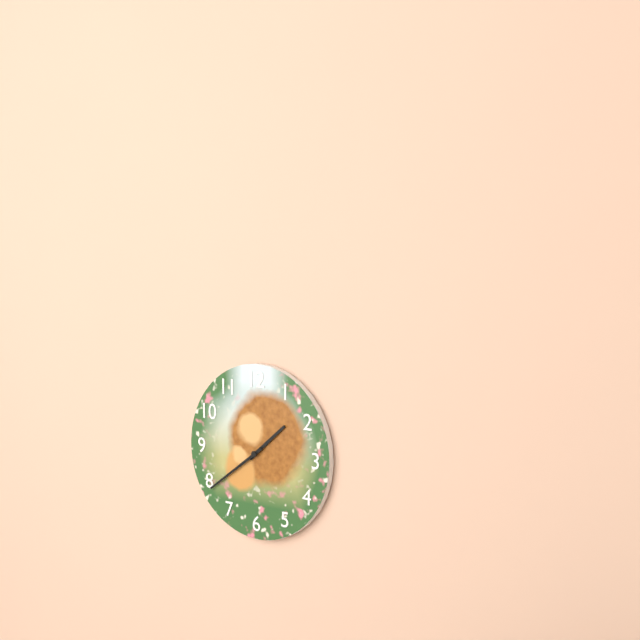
1.39
